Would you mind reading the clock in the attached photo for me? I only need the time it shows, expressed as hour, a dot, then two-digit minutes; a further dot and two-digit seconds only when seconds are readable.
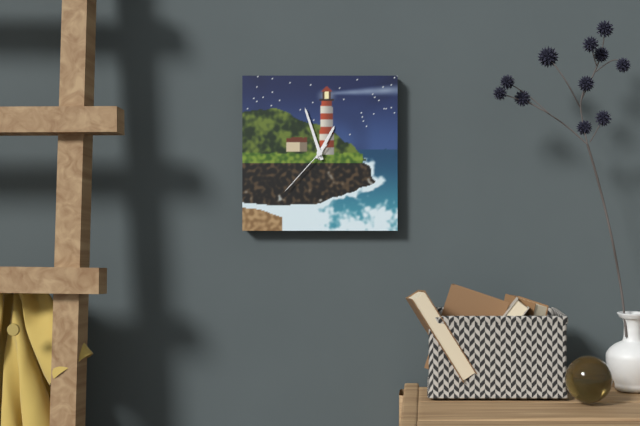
12.57.37
